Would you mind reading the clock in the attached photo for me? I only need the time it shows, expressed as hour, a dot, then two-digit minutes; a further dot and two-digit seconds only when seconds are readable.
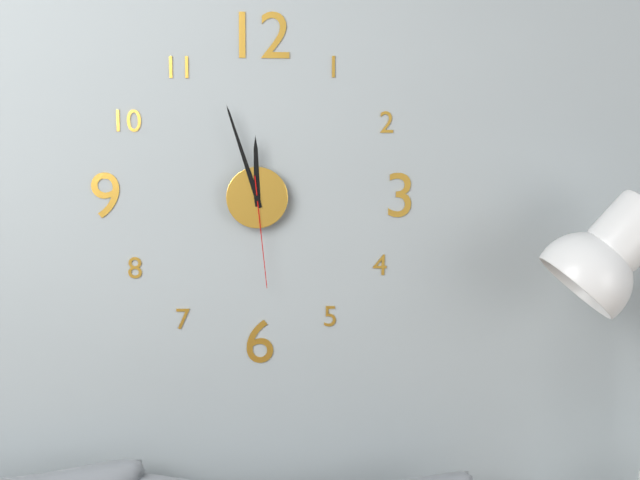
11.57.29
